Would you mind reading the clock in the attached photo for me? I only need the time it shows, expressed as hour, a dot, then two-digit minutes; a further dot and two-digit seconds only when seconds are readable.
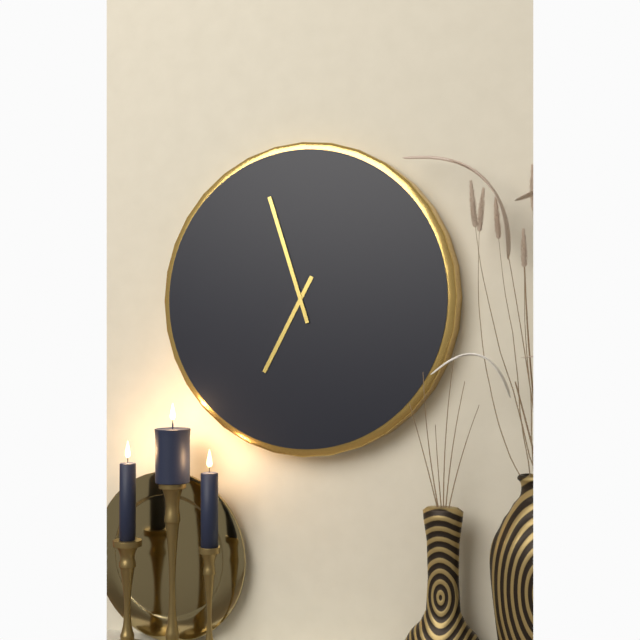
6.57
